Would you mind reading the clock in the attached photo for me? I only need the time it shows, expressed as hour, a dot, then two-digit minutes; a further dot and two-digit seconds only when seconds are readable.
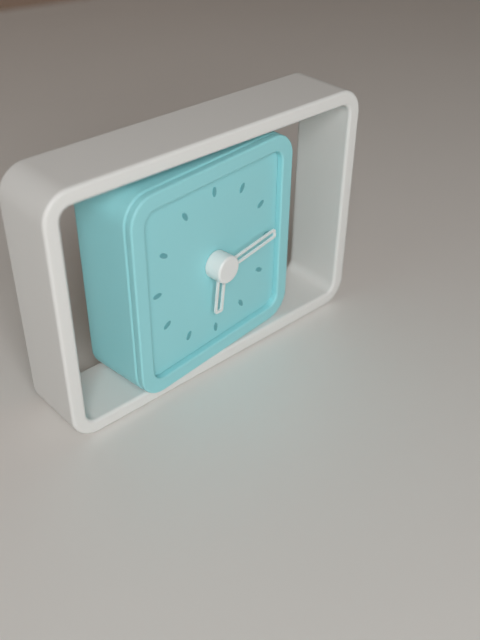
6.14
